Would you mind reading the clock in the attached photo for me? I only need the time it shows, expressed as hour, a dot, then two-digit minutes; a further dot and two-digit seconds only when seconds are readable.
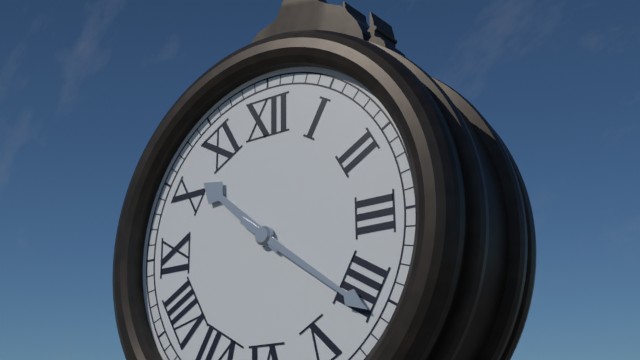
10.21
